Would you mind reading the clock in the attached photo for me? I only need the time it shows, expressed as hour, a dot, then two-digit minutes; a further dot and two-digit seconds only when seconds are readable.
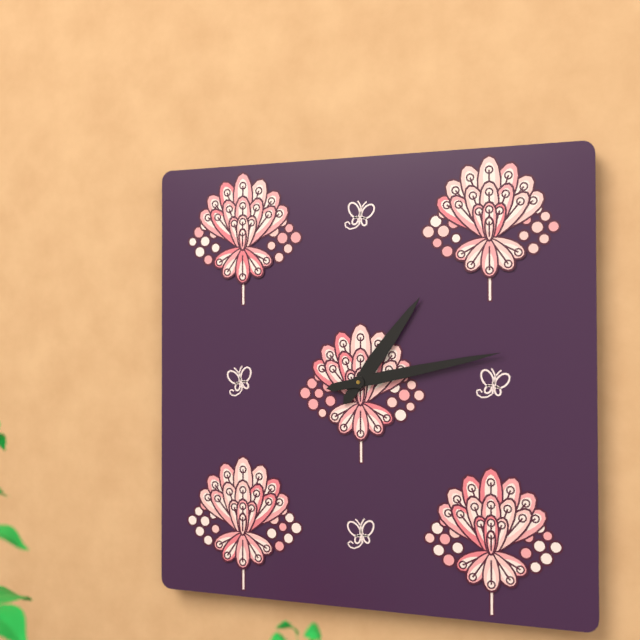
1.13
